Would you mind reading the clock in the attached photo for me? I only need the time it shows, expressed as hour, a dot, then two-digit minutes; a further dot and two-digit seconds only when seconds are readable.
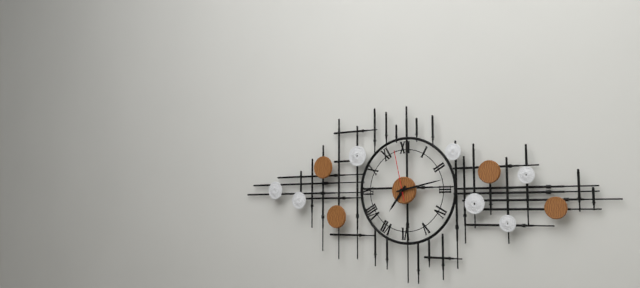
7.13.58
